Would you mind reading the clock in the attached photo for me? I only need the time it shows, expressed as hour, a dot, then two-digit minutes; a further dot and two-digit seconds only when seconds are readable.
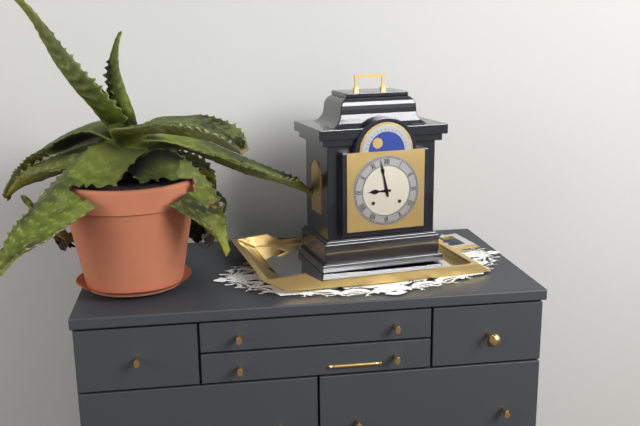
8.58
